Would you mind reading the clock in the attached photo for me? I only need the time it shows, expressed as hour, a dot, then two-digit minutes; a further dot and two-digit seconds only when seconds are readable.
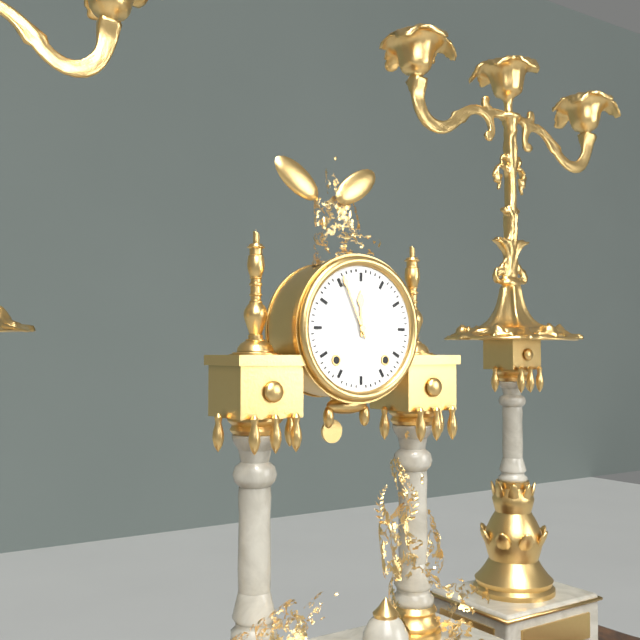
11.56
